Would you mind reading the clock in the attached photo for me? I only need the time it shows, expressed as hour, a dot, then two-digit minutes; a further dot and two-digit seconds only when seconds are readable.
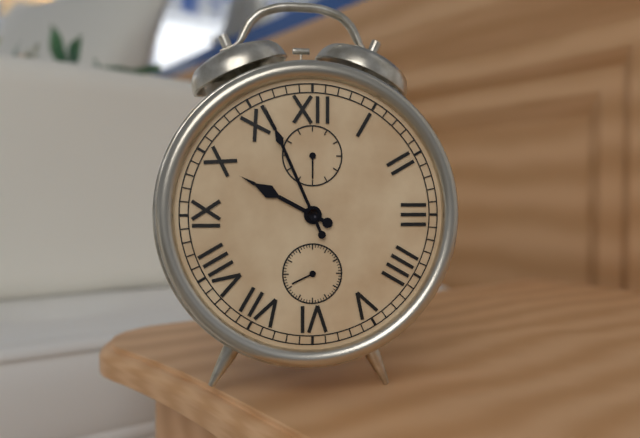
9.56
